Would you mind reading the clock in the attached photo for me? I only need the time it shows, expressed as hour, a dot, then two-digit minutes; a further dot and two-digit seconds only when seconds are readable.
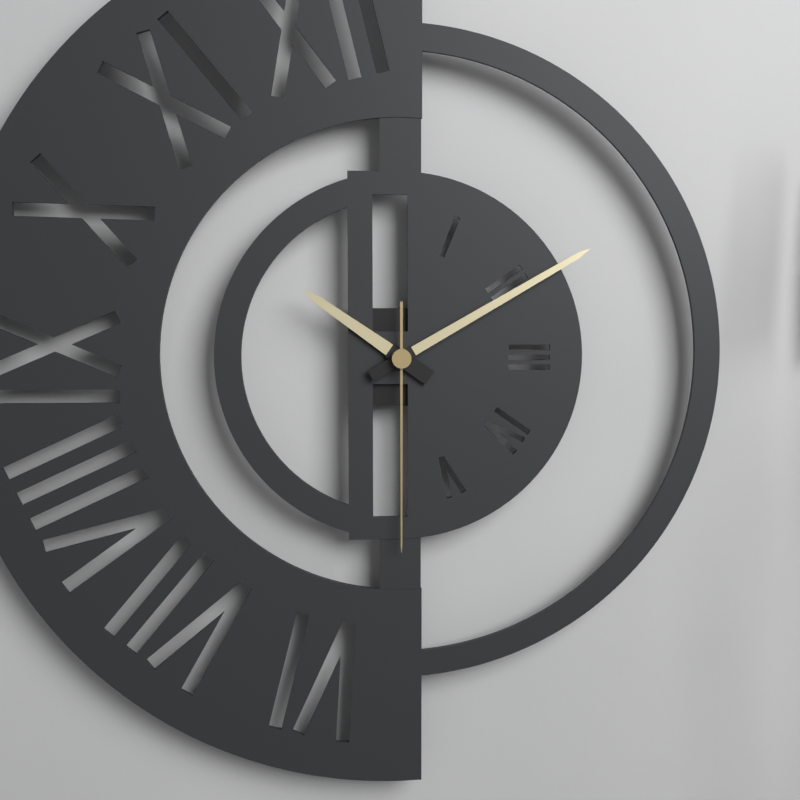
10.10.30
